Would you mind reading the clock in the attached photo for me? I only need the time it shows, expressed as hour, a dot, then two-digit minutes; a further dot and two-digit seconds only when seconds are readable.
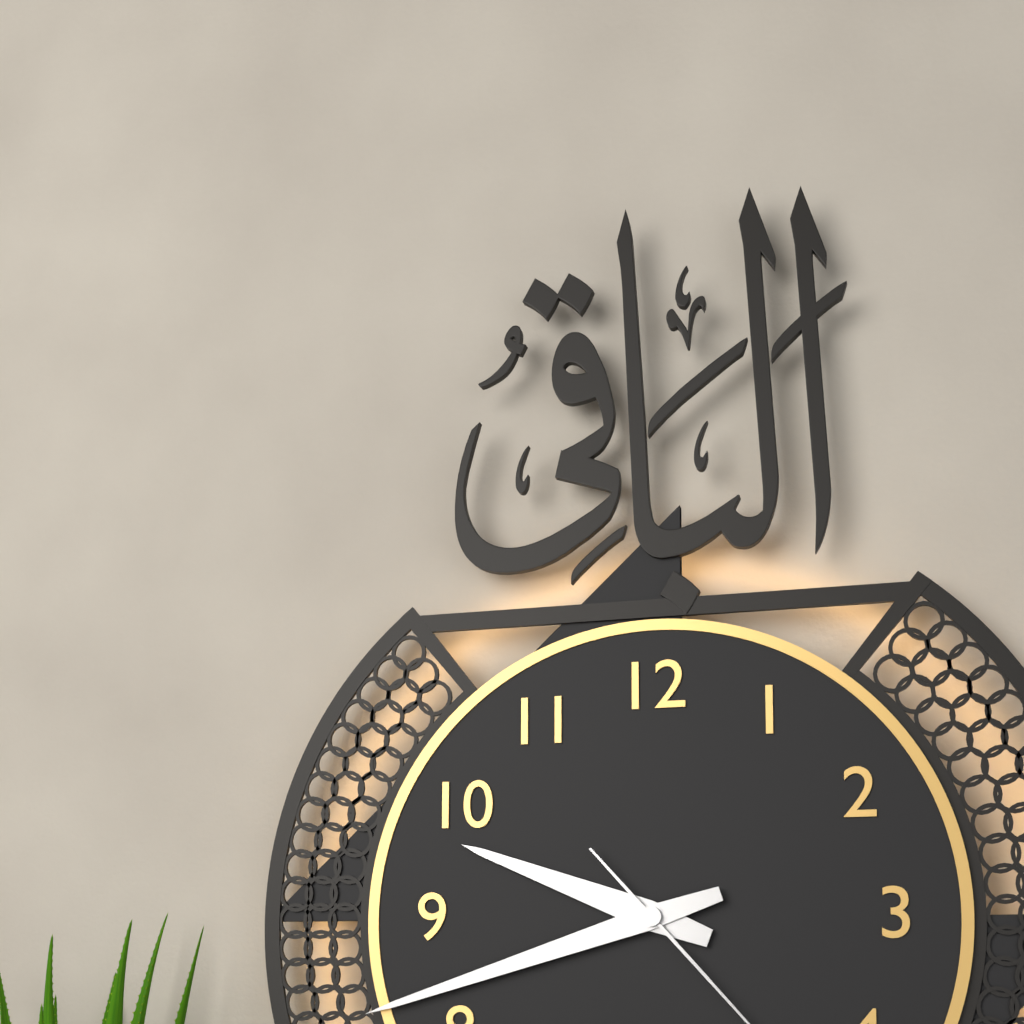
9.42
